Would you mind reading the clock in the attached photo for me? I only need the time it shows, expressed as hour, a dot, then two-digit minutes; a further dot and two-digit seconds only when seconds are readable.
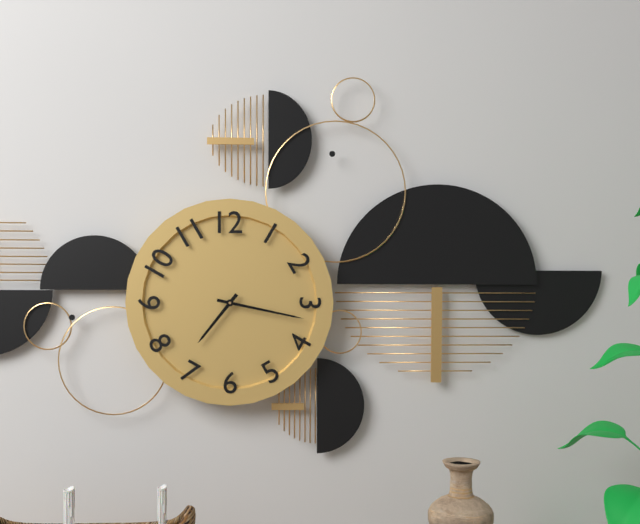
7.17
